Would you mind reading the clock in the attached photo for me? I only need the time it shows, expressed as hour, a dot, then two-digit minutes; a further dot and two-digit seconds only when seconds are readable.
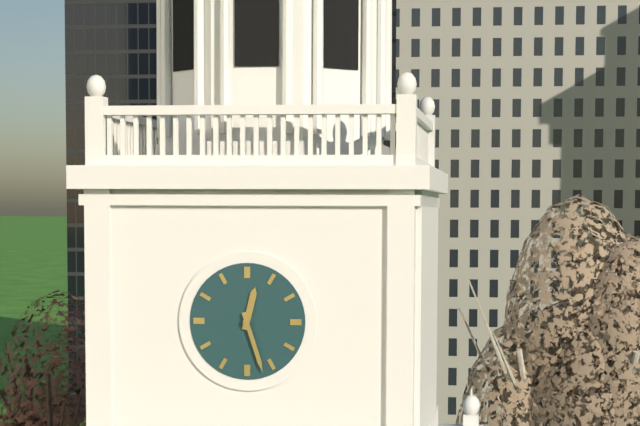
12.27
